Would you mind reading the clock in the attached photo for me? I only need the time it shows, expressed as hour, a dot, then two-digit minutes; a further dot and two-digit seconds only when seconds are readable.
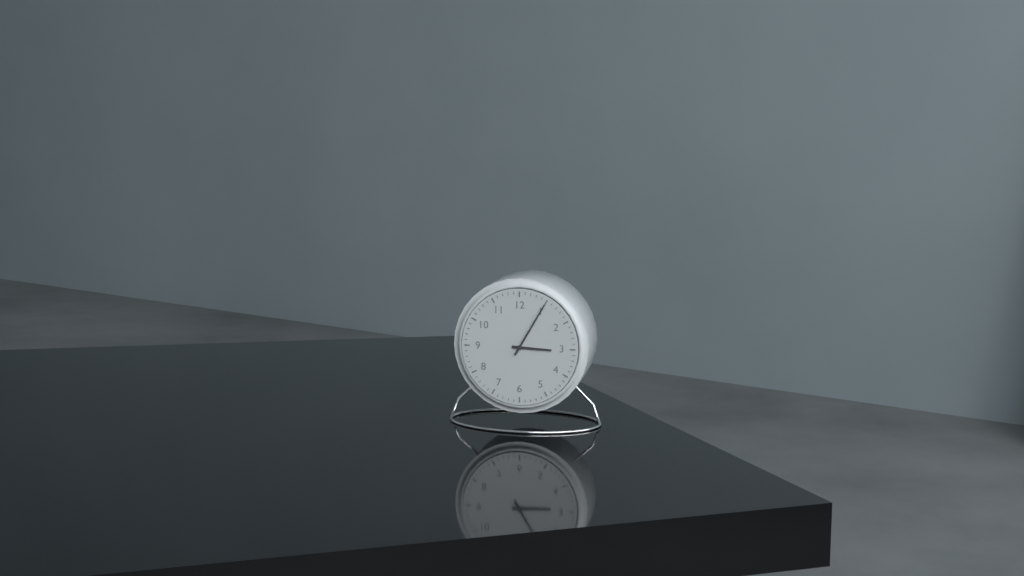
3.05
